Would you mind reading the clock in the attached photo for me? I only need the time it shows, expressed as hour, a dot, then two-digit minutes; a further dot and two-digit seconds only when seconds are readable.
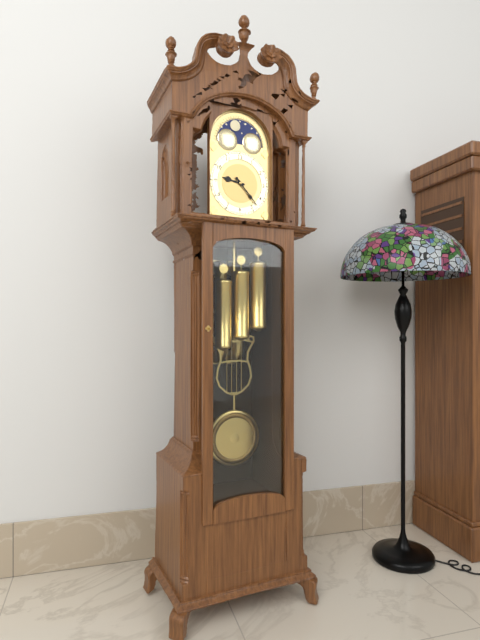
9.23
